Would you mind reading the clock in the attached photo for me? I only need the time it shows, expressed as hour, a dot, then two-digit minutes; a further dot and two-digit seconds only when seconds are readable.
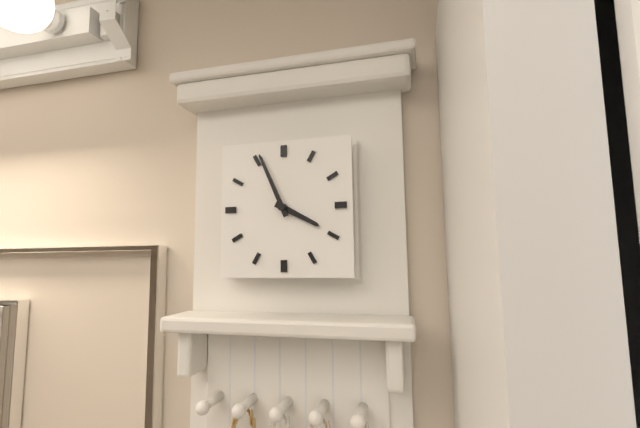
3.56
